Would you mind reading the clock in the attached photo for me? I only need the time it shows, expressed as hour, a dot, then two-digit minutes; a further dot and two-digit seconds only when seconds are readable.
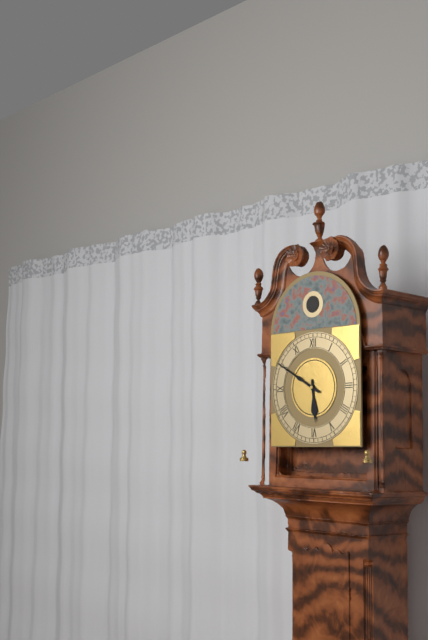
5.50
